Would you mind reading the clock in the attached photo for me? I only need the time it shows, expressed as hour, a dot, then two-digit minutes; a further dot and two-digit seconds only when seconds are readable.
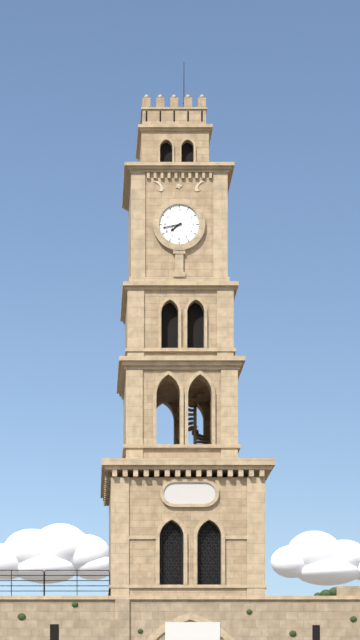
7.43
